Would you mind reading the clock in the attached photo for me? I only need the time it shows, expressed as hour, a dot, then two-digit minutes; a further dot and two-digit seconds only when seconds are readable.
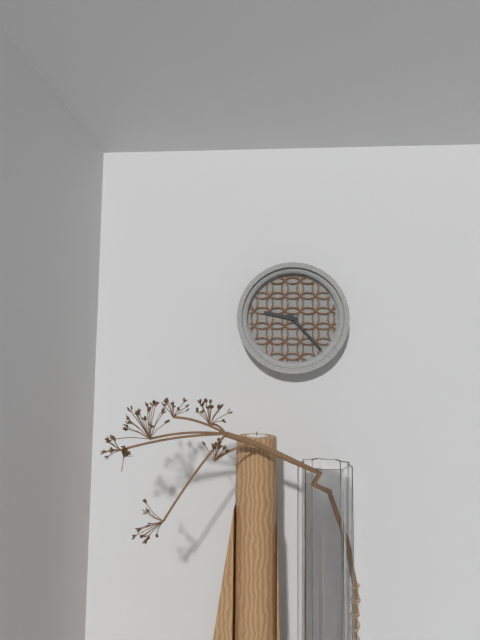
9.23
